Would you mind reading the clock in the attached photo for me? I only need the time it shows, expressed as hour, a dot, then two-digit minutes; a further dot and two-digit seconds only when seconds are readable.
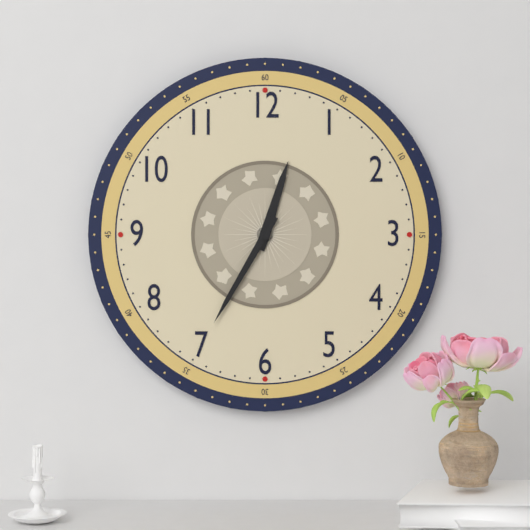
12.35
